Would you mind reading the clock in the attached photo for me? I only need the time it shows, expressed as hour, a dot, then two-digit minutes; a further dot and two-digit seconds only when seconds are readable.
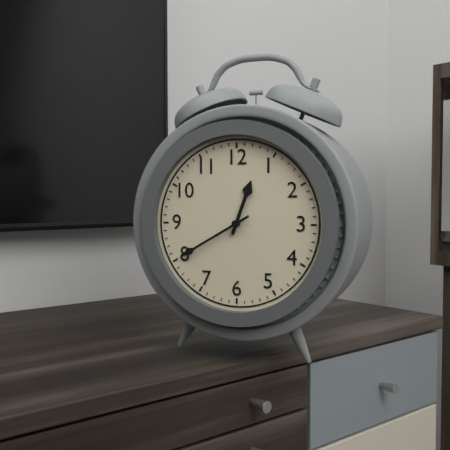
12.40
